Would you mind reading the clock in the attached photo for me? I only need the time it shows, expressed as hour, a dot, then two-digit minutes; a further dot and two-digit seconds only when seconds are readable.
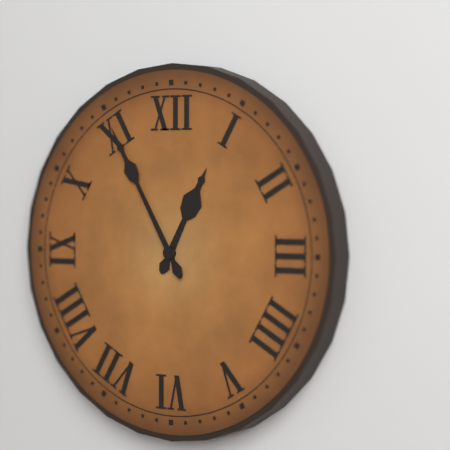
12.55
